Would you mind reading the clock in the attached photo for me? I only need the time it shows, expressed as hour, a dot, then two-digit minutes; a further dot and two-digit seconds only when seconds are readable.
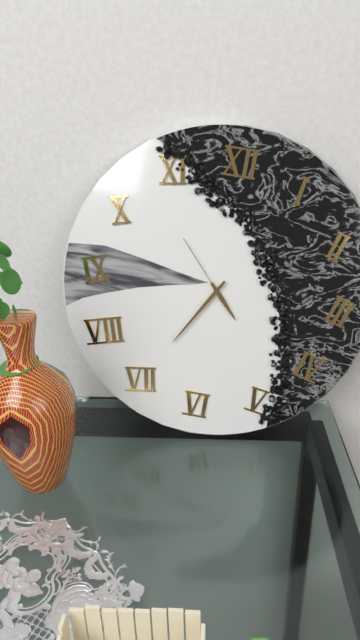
4.35.53
